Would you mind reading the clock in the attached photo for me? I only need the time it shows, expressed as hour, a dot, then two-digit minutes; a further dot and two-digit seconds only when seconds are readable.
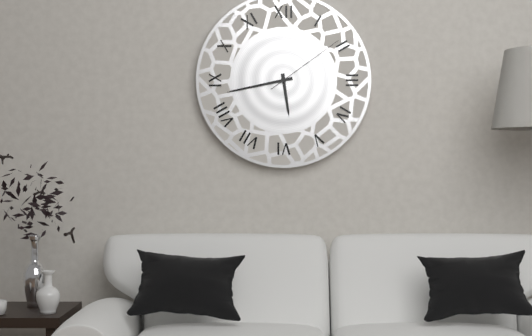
5.43.09
